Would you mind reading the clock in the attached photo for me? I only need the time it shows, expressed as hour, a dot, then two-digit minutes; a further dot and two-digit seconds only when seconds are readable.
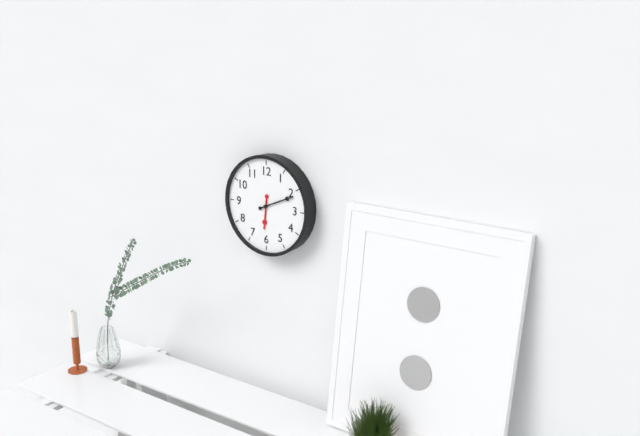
6.11
